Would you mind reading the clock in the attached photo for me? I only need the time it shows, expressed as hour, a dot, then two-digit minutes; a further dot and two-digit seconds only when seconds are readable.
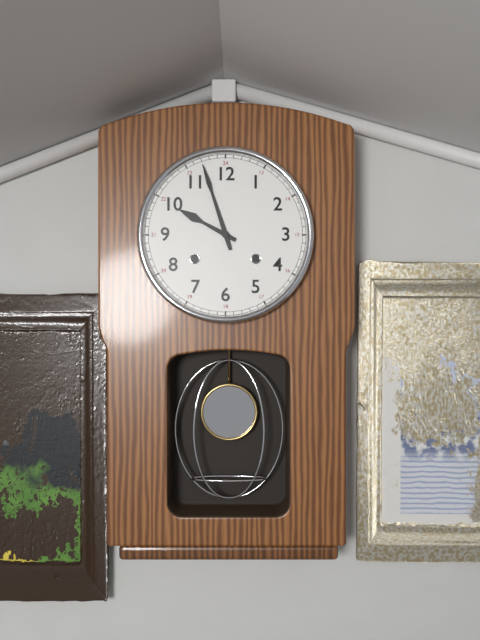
9.57
